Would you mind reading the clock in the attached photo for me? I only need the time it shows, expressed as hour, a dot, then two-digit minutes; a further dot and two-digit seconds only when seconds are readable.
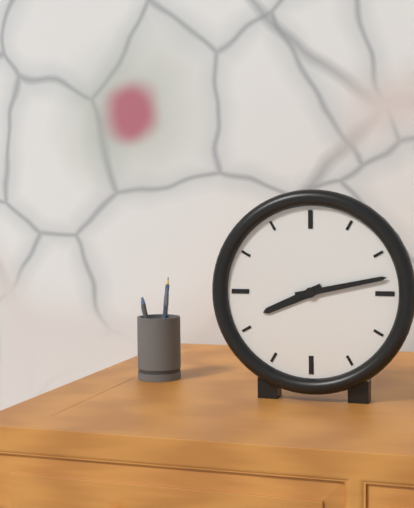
8.13
